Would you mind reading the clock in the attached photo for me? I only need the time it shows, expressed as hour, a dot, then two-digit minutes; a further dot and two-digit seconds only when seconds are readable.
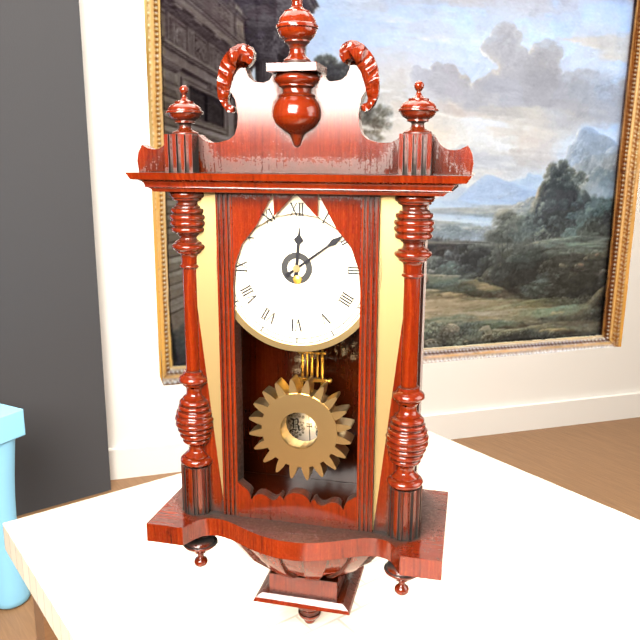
12.09
